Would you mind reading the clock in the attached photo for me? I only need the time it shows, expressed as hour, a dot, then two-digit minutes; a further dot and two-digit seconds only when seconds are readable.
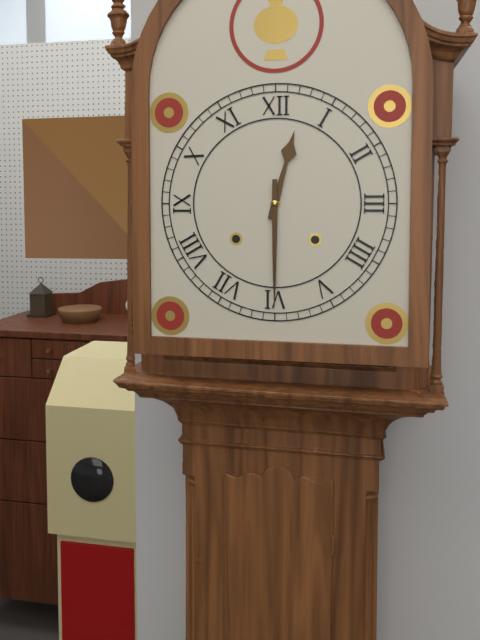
12.30
